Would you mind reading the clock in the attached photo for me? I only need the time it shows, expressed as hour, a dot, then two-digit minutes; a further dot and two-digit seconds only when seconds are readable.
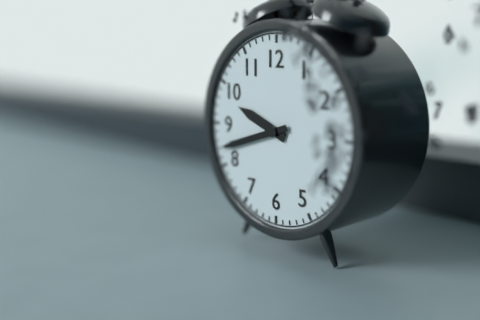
9.42
